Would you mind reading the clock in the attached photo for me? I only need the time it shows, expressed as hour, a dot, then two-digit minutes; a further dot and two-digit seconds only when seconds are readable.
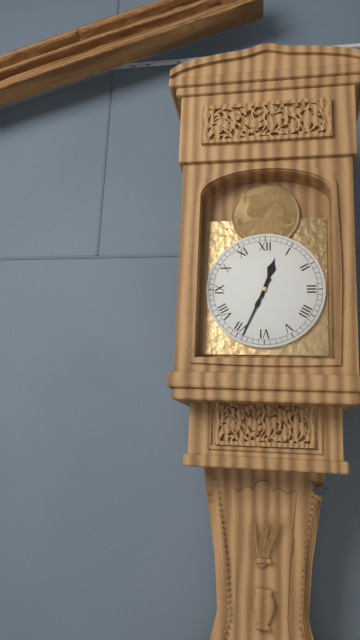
12.34
